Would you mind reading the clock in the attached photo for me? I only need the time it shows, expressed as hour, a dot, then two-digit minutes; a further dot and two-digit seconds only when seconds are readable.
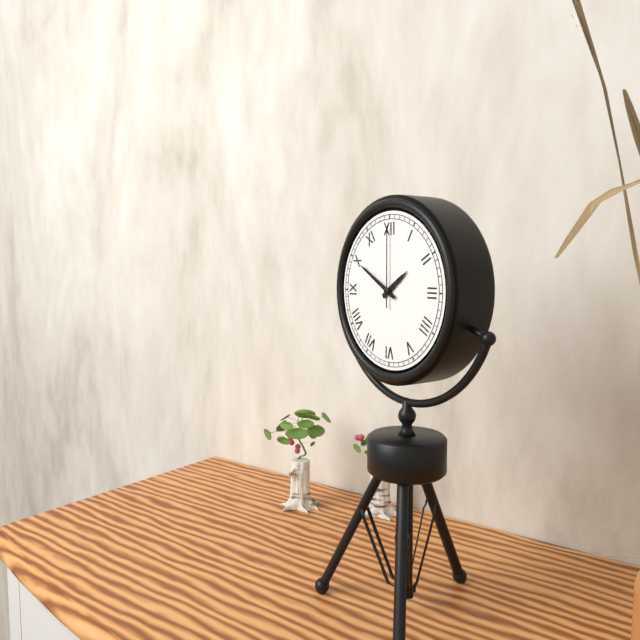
1.50.00
